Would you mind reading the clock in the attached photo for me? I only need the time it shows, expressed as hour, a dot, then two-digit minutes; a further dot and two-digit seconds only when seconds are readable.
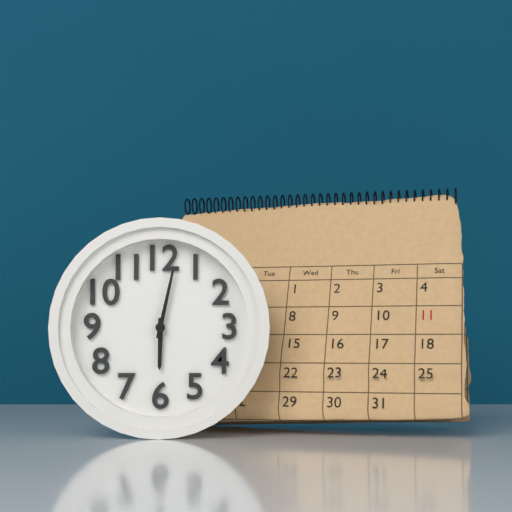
6.02
